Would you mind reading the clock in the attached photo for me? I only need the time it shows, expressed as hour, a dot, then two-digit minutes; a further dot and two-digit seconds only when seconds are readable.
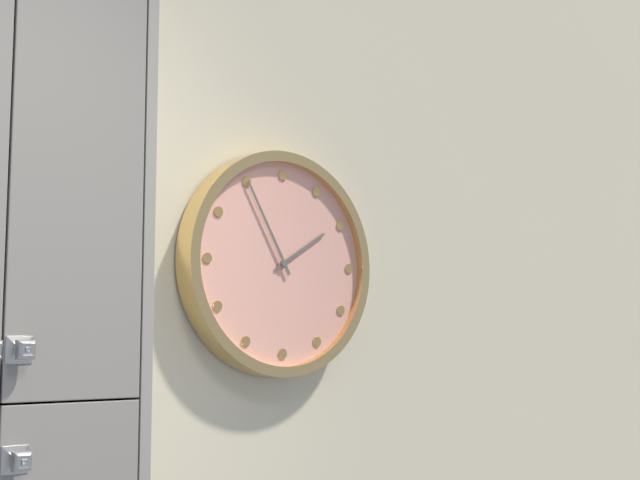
1.55
